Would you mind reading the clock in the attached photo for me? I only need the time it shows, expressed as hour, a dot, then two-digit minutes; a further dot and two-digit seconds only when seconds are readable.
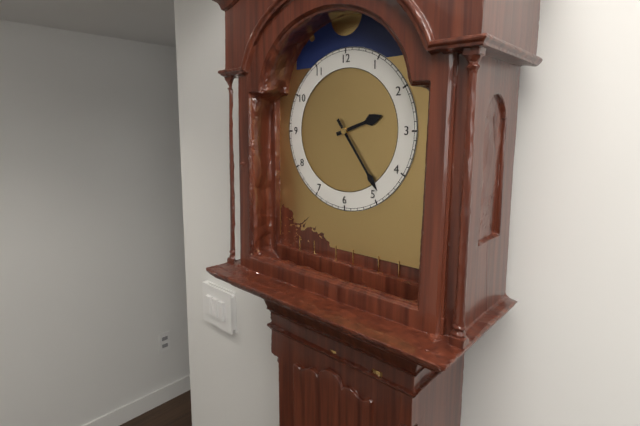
2.24
